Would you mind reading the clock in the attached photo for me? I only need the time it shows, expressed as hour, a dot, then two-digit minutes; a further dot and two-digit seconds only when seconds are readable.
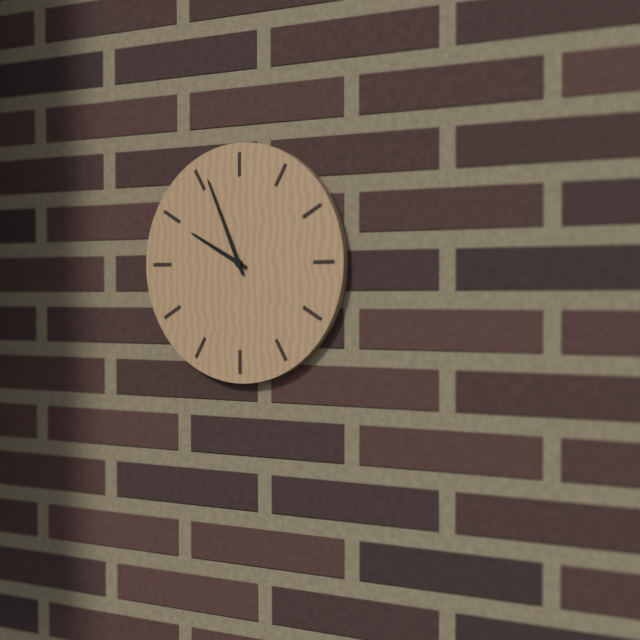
9.56
